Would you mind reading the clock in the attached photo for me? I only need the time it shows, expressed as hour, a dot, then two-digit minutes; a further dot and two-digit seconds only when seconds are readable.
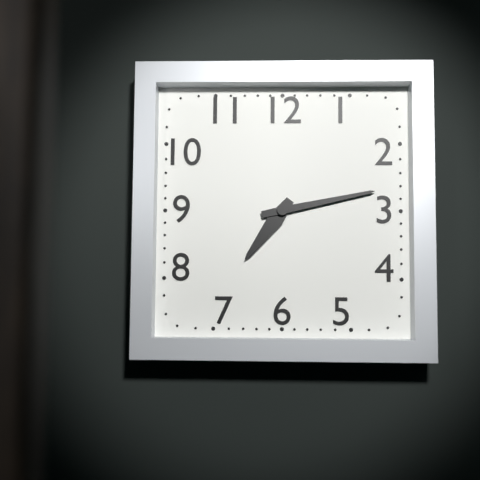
7.13
